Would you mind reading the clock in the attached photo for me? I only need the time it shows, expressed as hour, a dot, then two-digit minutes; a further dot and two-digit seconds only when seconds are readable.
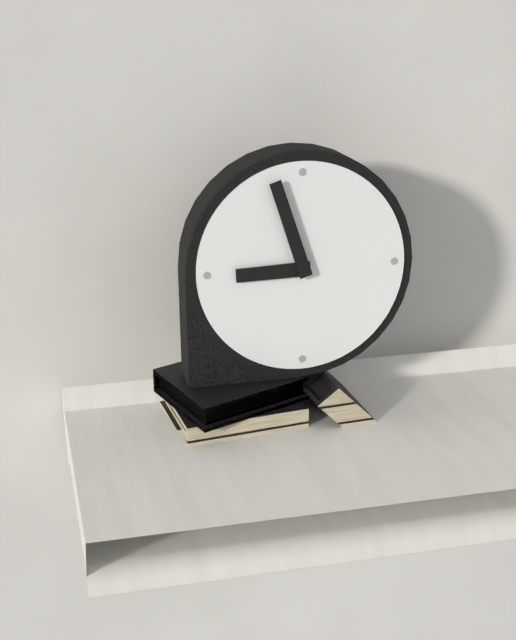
8.57
